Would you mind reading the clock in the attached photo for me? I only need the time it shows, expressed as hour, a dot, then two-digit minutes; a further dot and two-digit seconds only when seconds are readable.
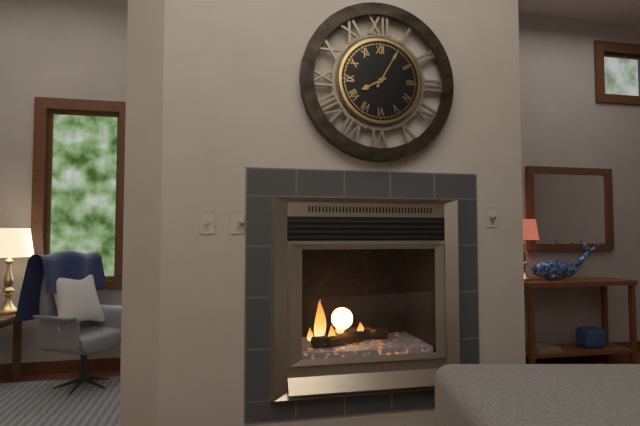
8.05
